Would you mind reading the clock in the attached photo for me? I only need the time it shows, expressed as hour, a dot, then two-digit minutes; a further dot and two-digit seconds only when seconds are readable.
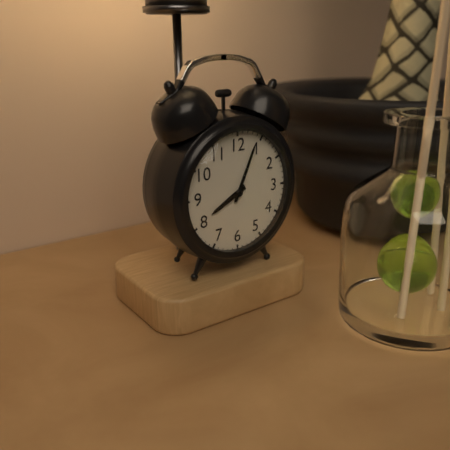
8.04
